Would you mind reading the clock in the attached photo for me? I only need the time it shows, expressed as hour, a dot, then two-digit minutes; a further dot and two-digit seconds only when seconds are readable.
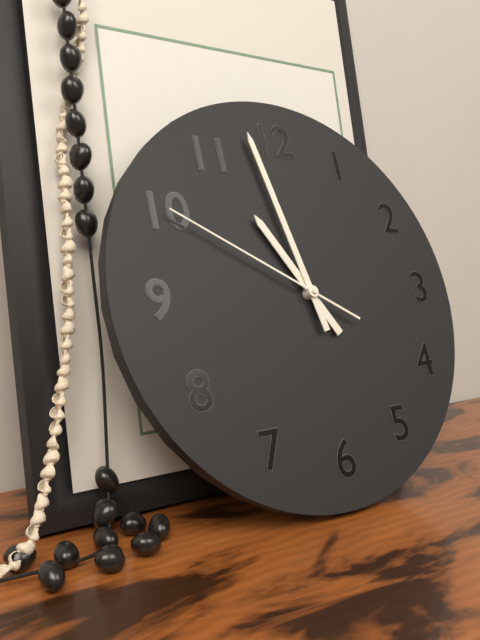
10.58.50
